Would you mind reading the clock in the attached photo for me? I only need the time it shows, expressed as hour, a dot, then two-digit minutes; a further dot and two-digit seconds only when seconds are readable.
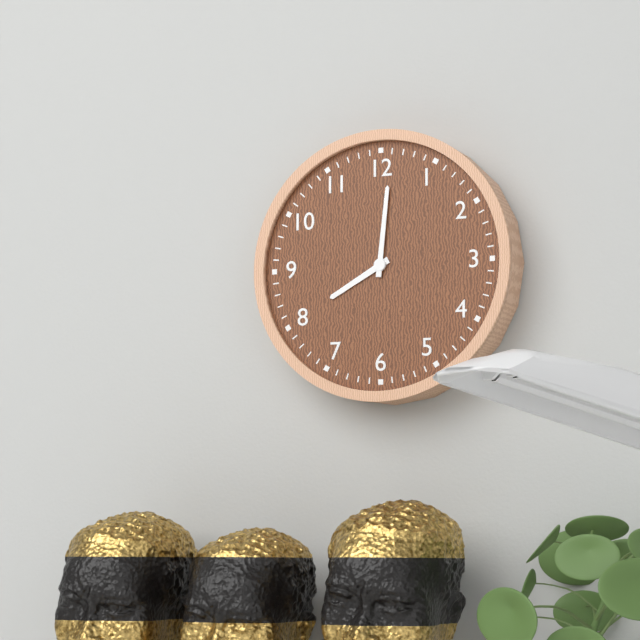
8.01
